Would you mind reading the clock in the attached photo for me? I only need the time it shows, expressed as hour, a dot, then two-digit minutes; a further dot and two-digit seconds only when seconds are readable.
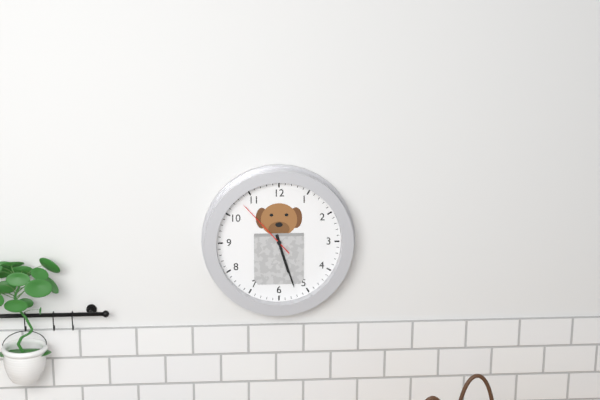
5.27.53
